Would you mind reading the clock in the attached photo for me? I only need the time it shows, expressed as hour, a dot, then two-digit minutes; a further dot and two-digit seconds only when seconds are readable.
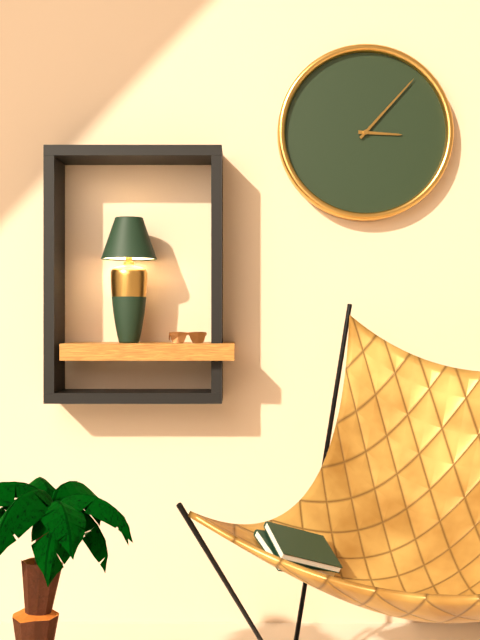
3.07
